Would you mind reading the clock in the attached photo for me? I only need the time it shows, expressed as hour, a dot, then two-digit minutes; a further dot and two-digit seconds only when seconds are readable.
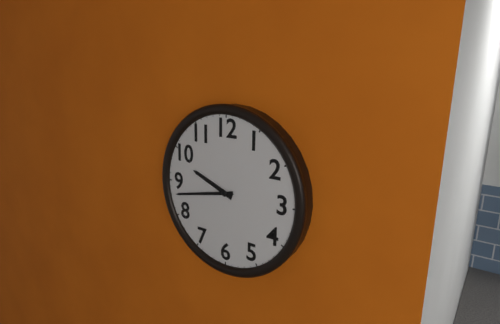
9.43
